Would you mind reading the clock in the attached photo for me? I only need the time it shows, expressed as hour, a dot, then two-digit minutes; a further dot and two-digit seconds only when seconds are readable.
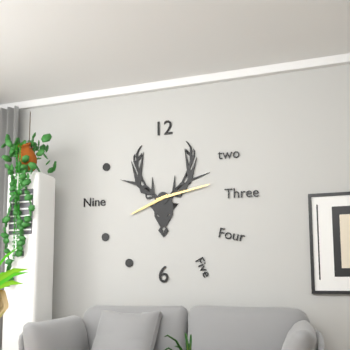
8.13
